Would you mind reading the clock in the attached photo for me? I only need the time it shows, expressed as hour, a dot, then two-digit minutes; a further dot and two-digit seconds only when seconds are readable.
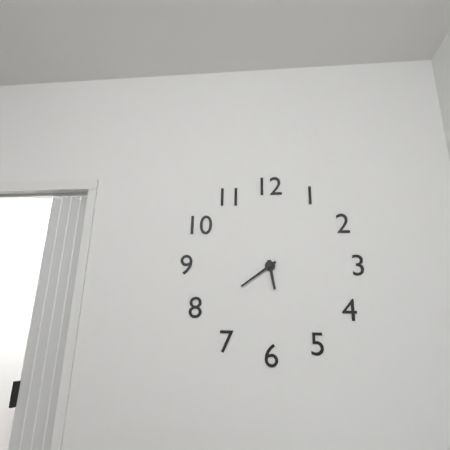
5.39
